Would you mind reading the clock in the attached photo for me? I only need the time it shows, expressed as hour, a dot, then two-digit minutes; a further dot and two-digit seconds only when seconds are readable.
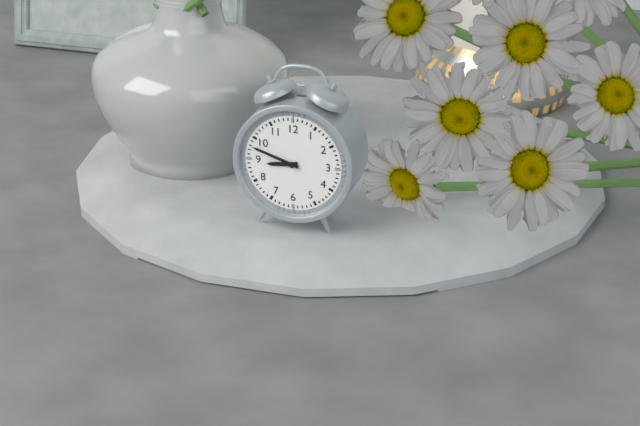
8.48
